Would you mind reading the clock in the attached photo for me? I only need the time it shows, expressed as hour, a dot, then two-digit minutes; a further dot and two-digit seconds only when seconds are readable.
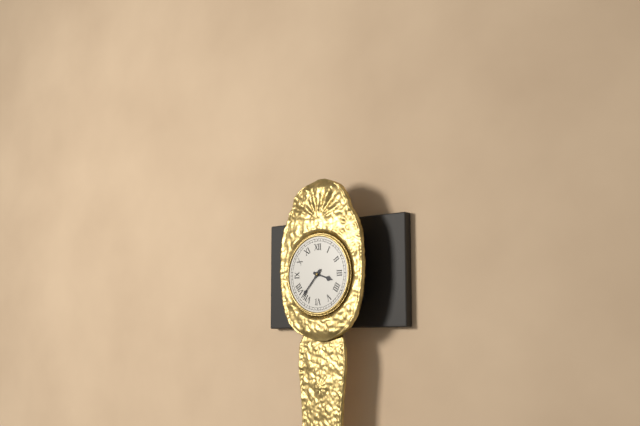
3.37
